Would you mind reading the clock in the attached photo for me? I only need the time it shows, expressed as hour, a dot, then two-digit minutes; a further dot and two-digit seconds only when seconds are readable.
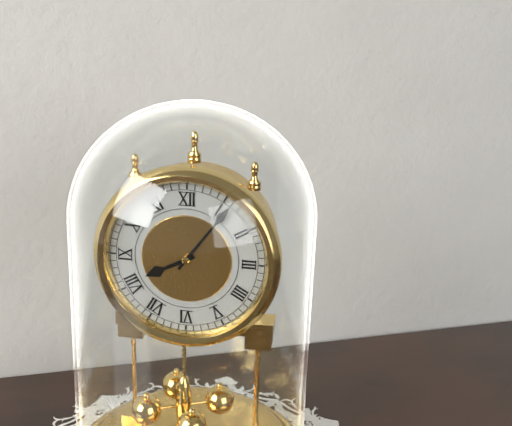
8.06
